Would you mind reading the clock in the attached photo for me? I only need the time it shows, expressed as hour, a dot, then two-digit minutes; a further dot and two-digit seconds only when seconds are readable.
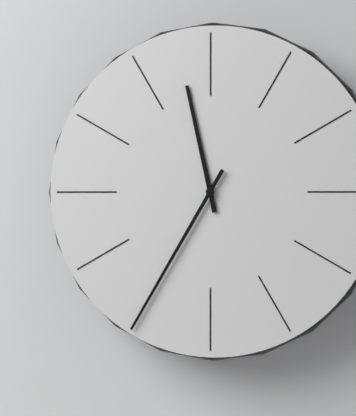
11.35
